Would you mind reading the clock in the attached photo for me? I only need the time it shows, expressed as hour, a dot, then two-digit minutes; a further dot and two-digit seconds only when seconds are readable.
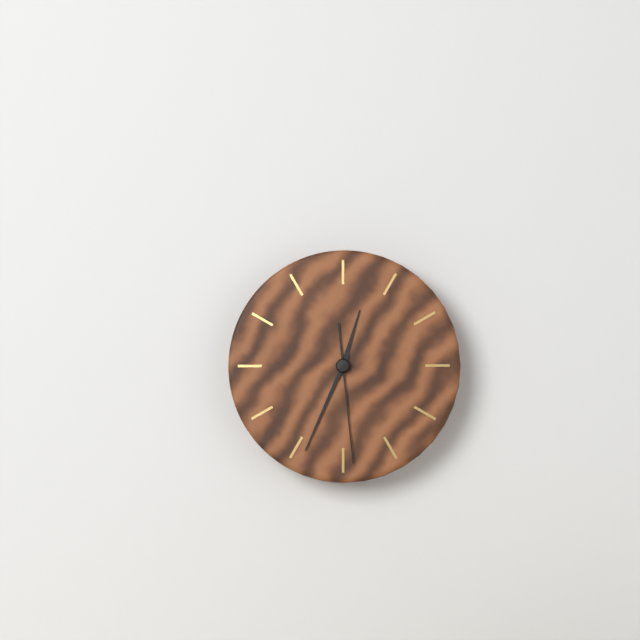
12.34.29
